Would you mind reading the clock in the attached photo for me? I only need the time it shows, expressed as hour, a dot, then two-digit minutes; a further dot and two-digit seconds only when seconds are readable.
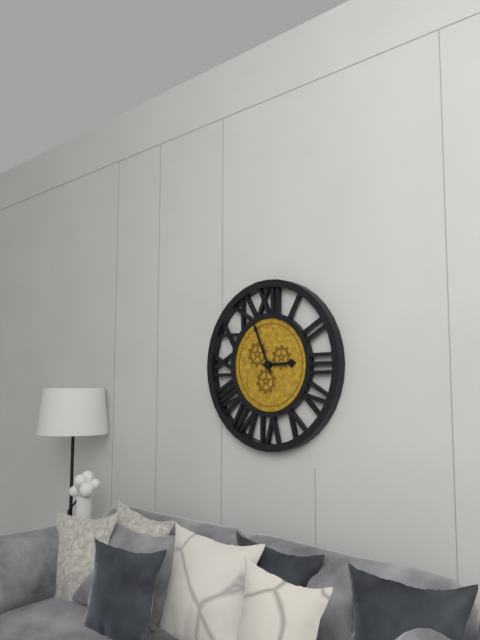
2.56
